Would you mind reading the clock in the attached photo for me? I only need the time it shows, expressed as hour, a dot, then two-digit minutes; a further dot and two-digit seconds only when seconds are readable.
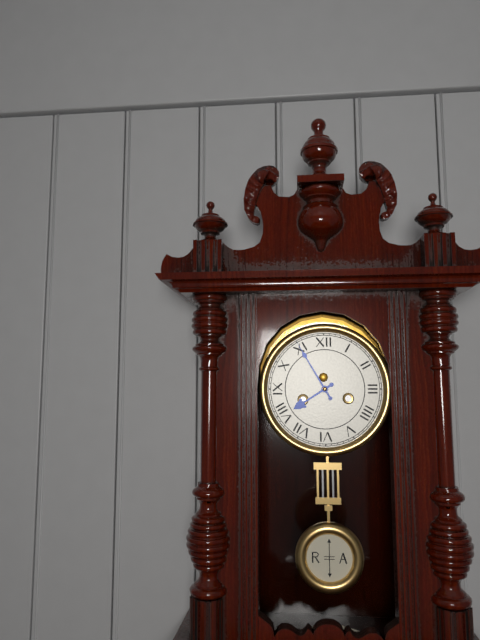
7.55
